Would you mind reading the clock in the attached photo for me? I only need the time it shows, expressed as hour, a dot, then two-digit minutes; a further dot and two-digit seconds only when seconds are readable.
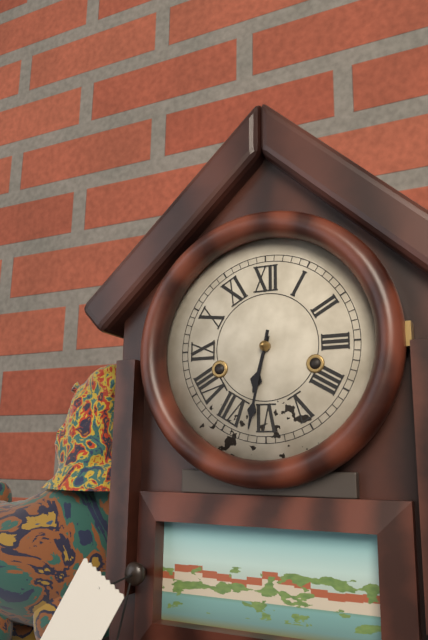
6.32
